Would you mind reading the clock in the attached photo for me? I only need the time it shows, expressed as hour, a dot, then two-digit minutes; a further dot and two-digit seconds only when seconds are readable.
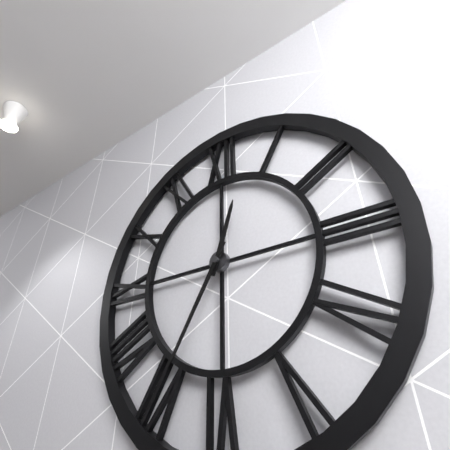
12.35
